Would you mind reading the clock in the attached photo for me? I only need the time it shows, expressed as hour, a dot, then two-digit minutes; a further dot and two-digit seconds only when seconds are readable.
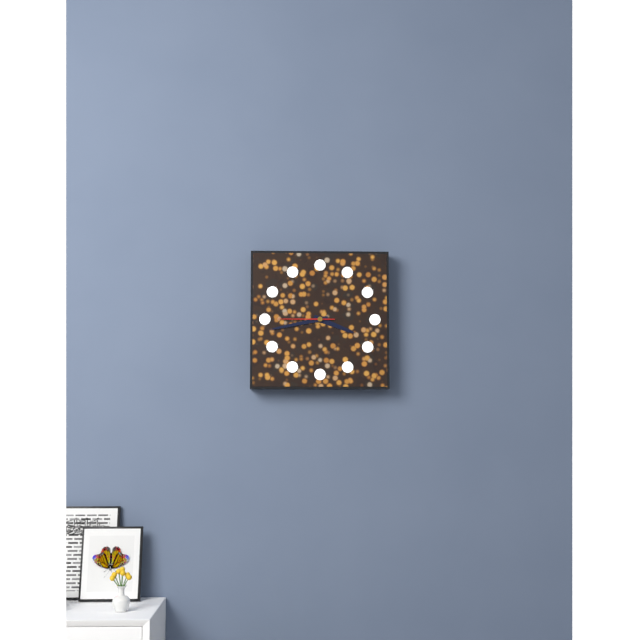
3.43.45
